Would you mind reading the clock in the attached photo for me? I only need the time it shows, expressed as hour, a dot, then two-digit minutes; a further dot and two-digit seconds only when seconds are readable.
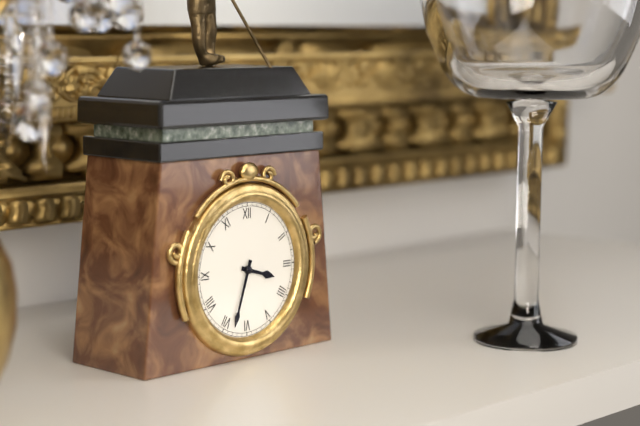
3.33
